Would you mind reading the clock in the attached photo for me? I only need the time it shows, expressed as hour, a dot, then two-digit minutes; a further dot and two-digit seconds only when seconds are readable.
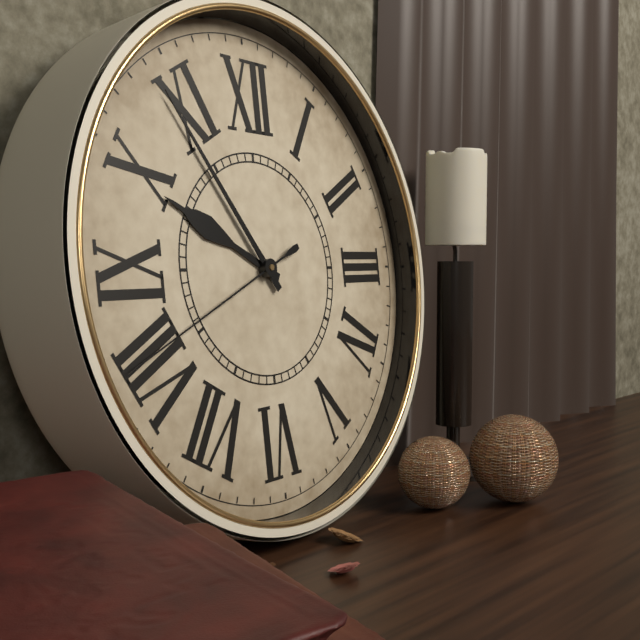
9.54.41
